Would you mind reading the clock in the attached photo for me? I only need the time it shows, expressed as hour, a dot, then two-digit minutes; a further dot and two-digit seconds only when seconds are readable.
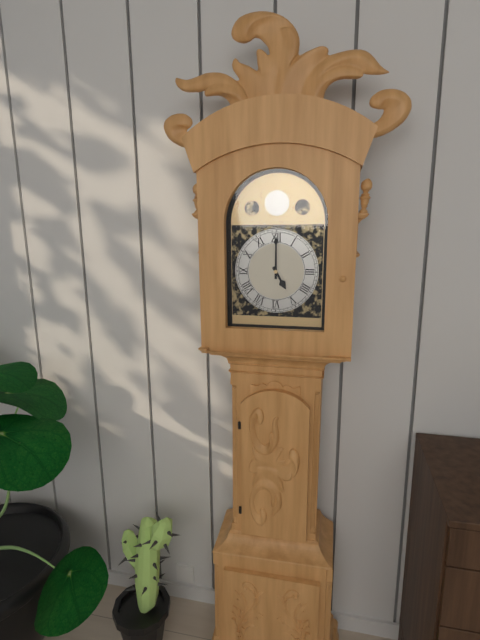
5.00
